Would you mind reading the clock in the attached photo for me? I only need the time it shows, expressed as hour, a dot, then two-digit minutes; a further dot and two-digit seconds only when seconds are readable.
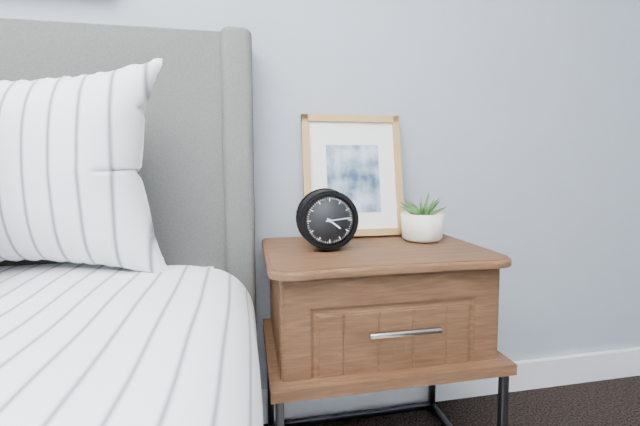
4.14
